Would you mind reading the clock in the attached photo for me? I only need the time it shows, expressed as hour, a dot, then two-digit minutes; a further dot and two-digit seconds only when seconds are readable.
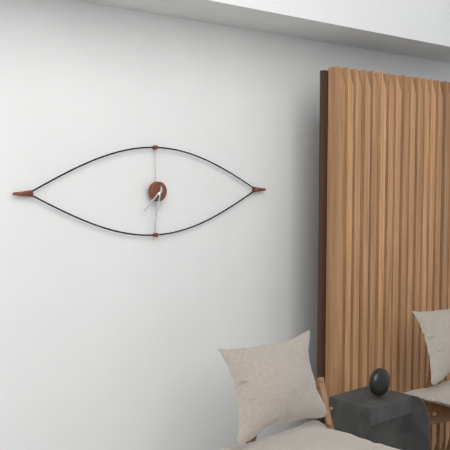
7.32
